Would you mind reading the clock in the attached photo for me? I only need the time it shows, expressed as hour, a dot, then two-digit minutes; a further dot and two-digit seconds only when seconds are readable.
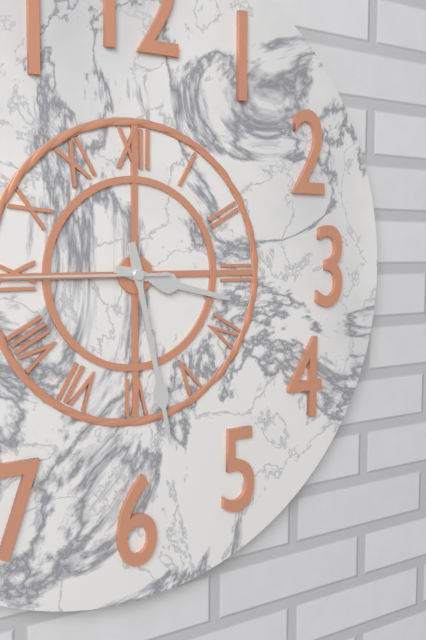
3.28
